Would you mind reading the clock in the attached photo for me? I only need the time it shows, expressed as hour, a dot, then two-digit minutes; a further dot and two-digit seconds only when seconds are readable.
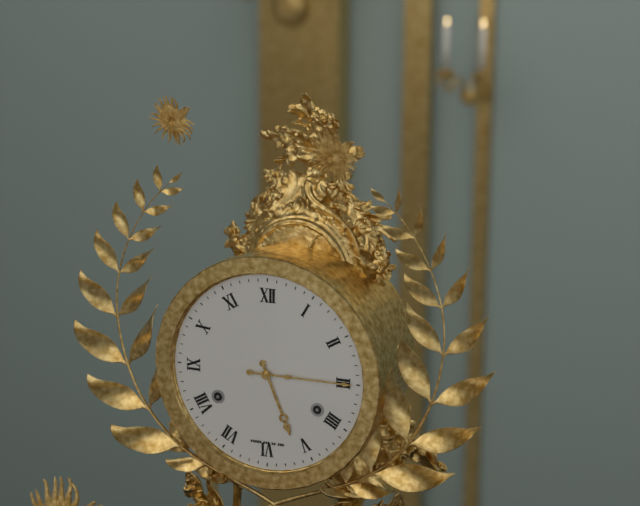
5.15
